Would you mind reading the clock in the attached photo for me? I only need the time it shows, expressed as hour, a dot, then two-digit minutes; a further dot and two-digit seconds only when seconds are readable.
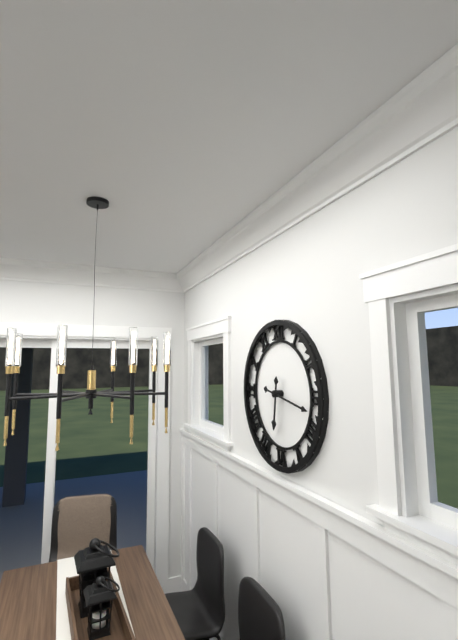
6.17
